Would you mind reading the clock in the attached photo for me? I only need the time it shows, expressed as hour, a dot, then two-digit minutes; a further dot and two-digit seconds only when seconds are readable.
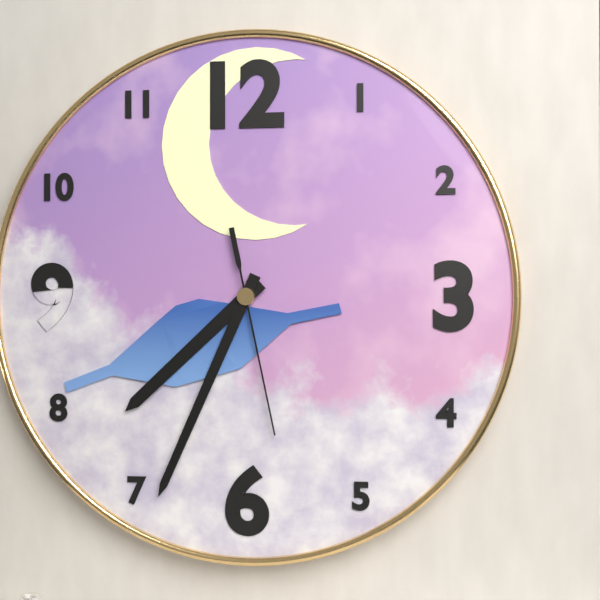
7.34.28
